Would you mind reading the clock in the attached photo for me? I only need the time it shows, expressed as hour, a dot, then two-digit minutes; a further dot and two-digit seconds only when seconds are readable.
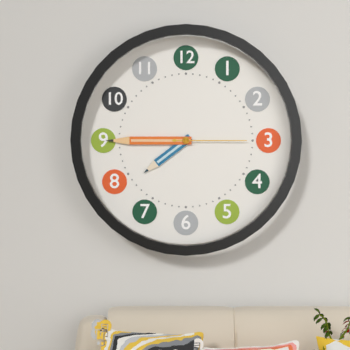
7.45.15
